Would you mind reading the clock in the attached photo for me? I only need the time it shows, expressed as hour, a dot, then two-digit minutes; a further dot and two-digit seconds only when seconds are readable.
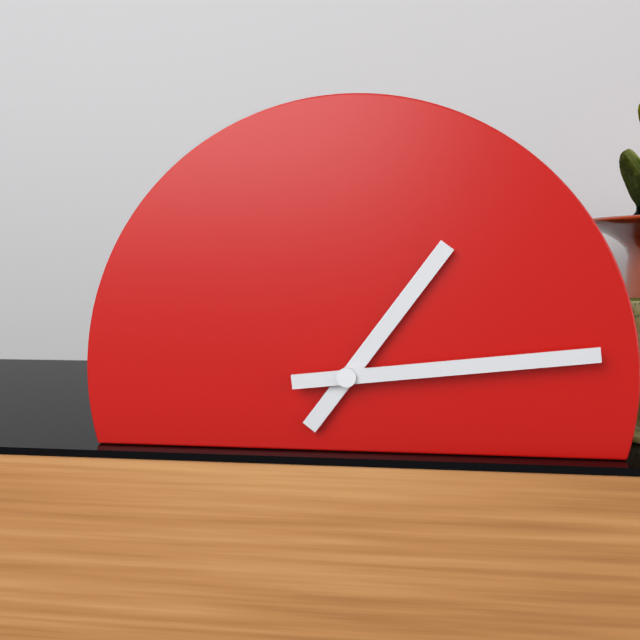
1.14
